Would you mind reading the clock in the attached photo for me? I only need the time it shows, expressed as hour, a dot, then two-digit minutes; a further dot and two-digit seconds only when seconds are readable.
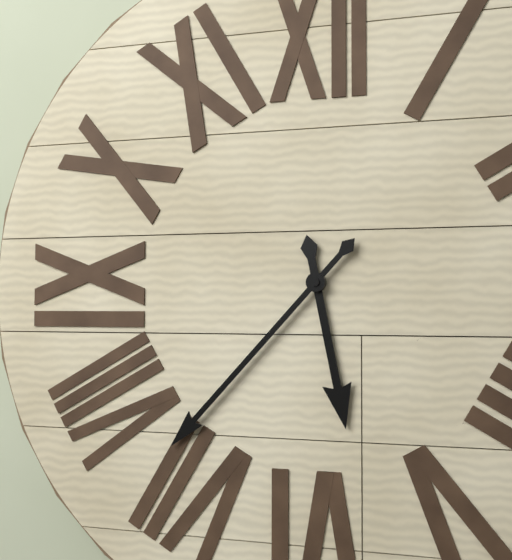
5.37
